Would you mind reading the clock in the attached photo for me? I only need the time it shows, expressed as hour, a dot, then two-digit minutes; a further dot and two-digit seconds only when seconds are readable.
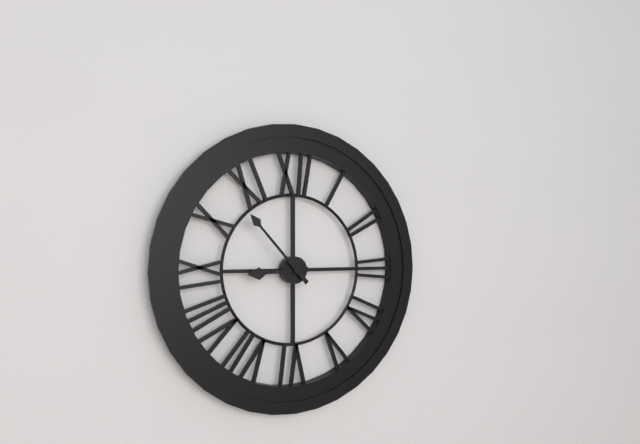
8.53
